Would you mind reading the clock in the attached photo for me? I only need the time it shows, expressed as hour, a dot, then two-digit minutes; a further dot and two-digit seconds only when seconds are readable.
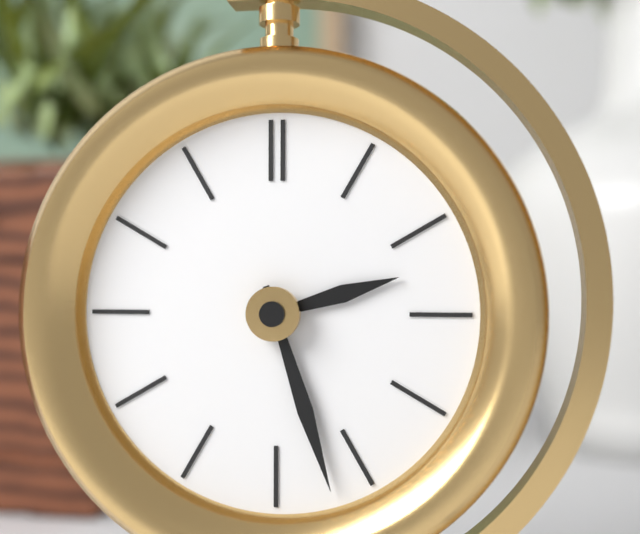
2.27
